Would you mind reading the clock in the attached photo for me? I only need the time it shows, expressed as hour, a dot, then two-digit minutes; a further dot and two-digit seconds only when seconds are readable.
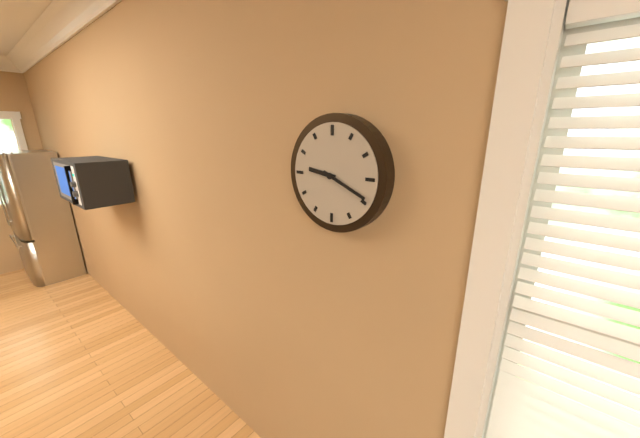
9.19
